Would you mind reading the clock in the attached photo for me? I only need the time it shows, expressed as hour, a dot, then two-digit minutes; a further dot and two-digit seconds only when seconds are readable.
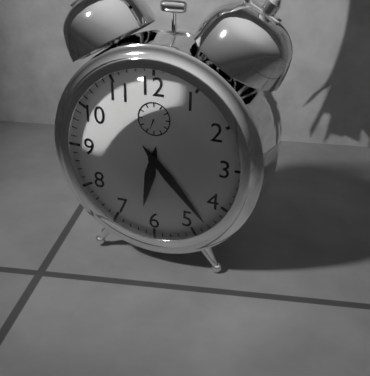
6.23
